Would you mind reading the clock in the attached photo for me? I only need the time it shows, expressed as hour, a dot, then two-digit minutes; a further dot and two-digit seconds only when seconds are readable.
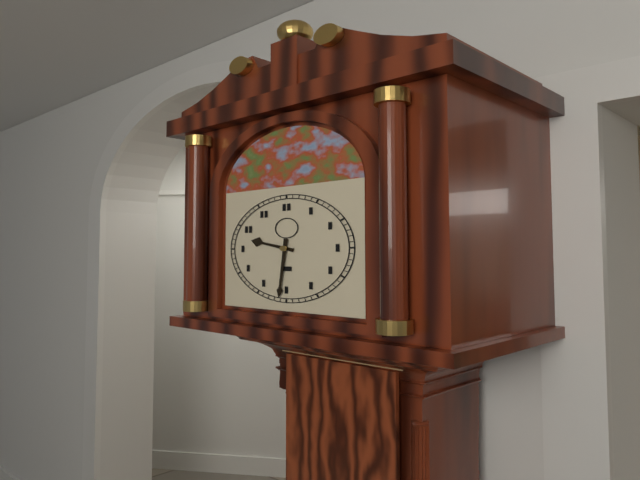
9.31
